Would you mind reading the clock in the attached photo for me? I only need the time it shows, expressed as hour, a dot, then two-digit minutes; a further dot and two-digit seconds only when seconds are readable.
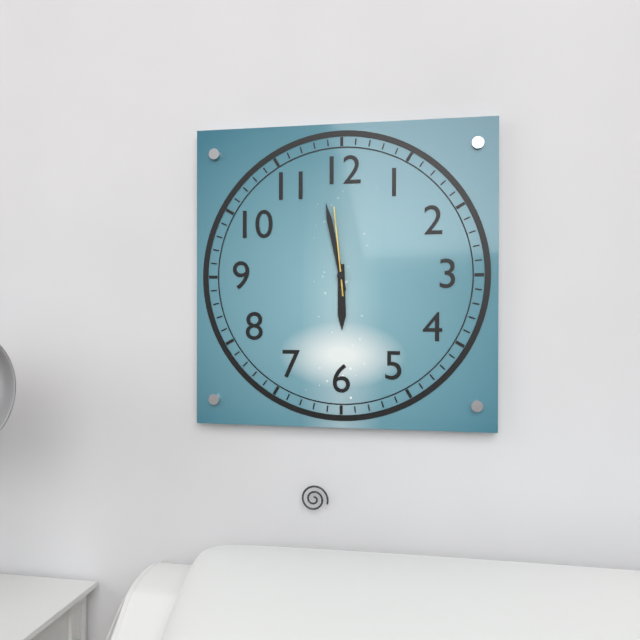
5.58.59
